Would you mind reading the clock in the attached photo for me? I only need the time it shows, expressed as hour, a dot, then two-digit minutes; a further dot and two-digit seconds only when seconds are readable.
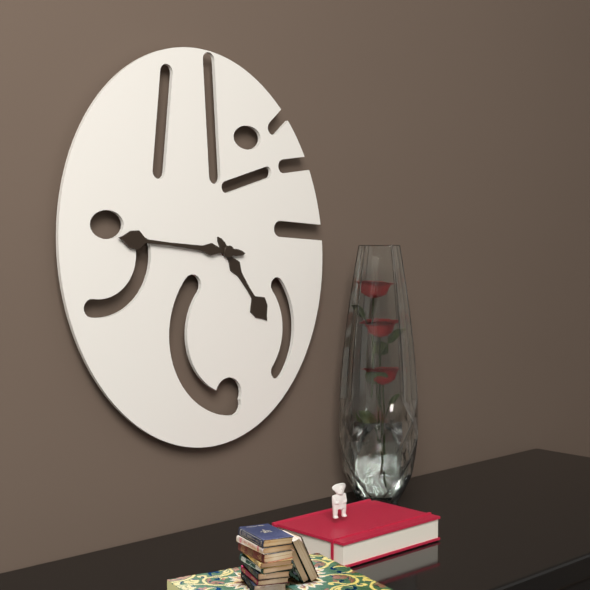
4.46
